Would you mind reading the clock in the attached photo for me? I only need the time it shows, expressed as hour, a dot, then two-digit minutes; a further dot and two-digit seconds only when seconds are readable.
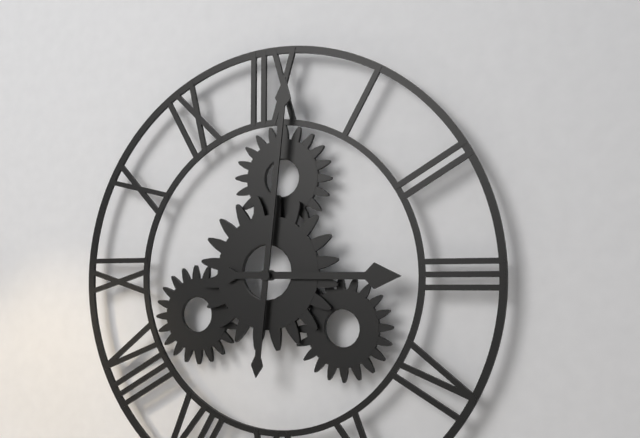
3.01
